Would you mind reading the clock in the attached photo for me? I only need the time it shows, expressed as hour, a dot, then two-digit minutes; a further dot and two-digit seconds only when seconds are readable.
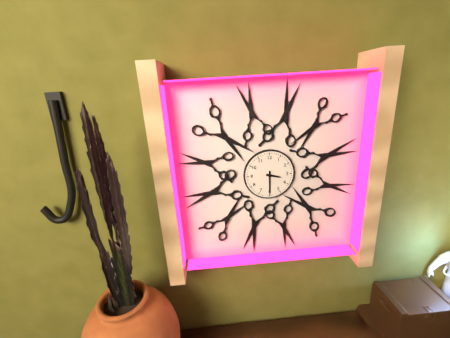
3.30
